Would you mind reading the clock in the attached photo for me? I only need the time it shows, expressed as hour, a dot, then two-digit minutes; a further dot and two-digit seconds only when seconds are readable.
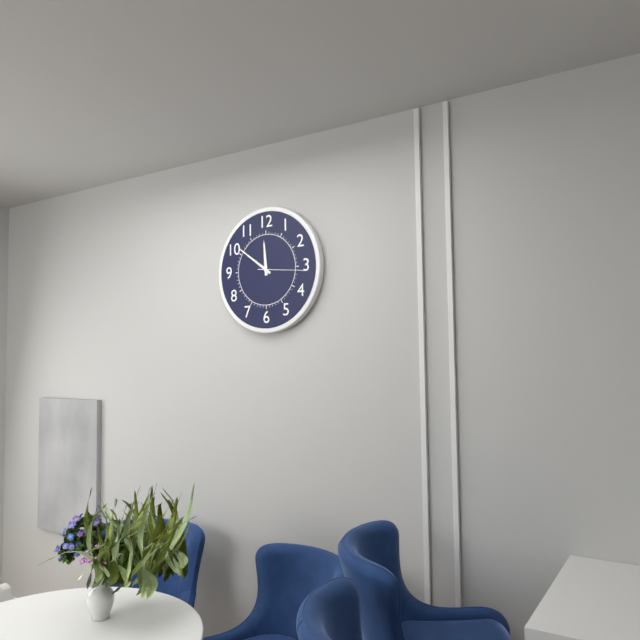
11.51.16
